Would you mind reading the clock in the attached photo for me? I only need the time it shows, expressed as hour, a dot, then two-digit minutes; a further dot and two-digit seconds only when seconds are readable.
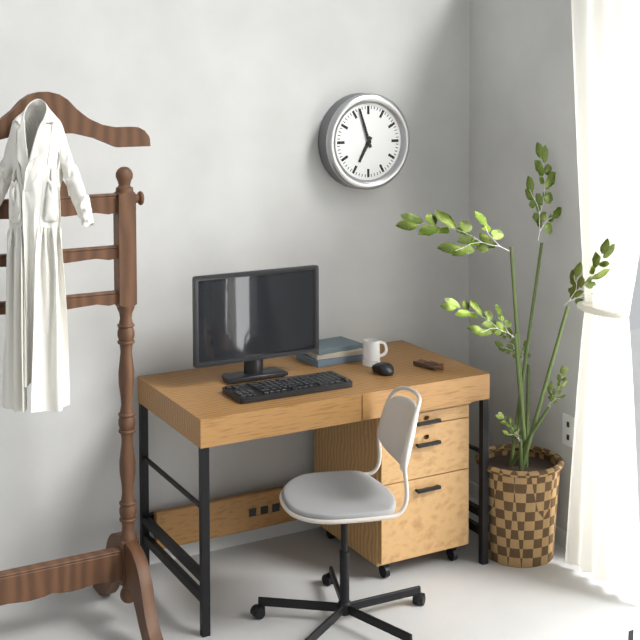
6.57
